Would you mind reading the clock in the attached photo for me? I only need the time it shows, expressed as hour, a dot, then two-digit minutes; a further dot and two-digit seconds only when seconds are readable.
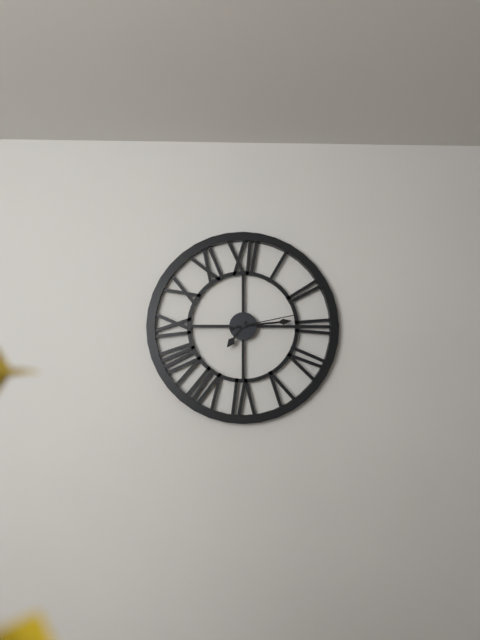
7.14.13
